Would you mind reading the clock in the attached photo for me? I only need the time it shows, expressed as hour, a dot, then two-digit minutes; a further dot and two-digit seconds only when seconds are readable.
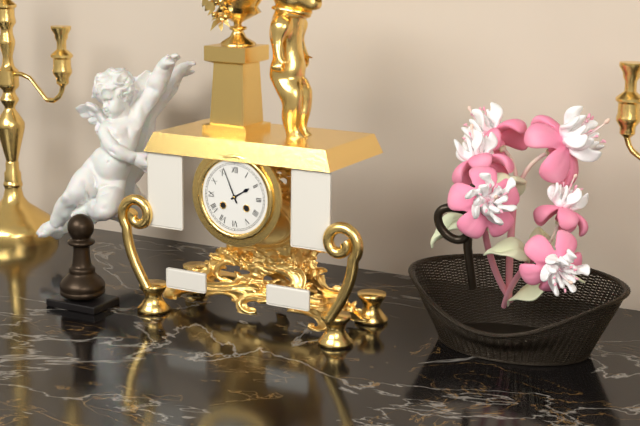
1.56
